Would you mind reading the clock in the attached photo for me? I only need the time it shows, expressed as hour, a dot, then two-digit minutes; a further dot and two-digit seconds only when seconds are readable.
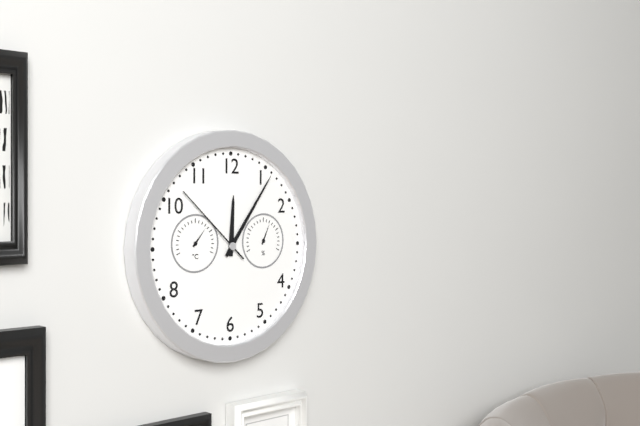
12.06.52
